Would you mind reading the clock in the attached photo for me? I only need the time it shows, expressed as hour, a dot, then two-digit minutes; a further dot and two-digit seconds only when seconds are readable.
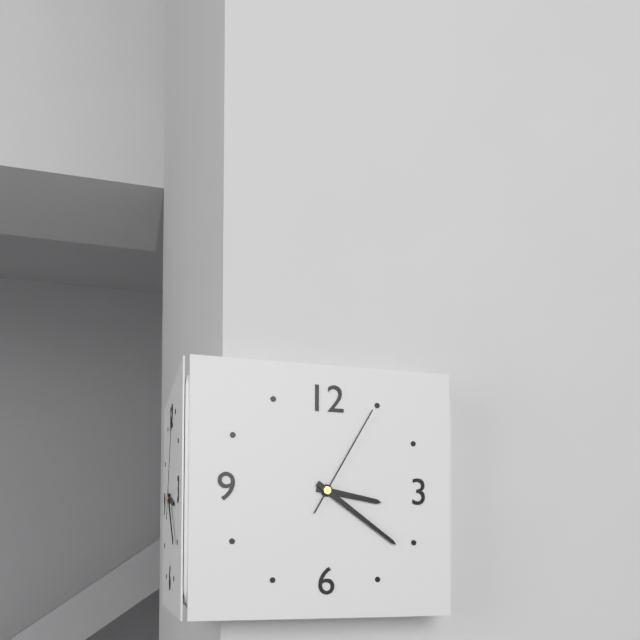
3.21.05
